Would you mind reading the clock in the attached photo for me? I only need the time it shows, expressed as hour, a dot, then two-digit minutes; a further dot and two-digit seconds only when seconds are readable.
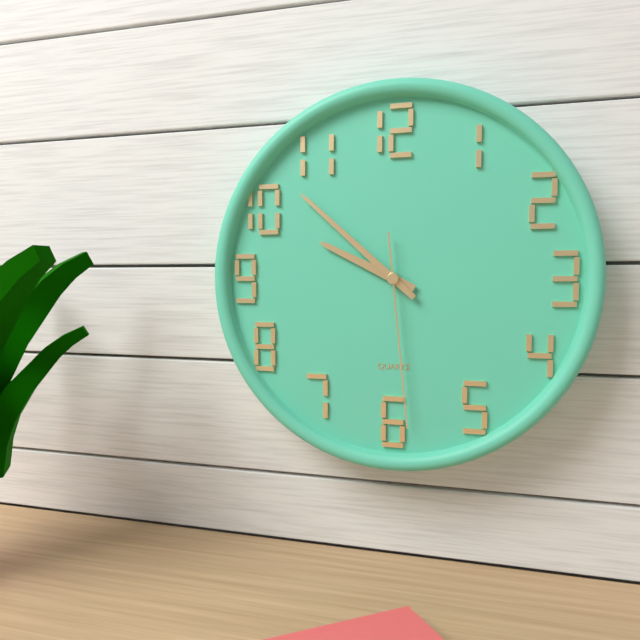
9.52.29
